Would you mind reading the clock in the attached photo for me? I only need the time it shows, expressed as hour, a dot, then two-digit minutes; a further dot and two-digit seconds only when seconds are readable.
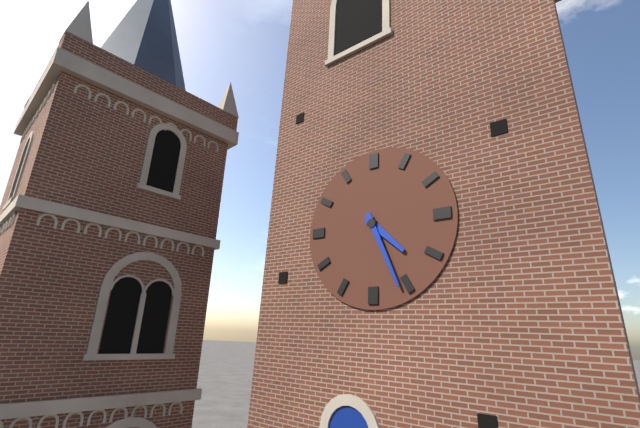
4.26
